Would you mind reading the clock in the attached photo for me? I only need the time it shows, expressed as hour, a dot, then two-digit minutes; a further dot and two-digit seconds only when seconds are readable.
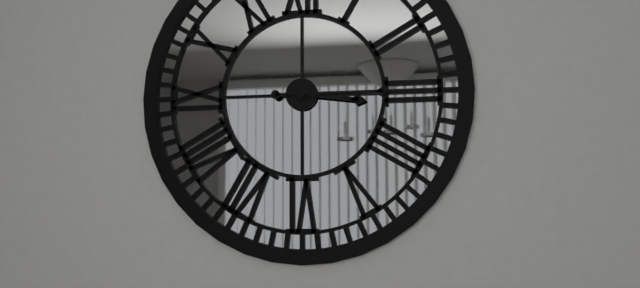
3.15
